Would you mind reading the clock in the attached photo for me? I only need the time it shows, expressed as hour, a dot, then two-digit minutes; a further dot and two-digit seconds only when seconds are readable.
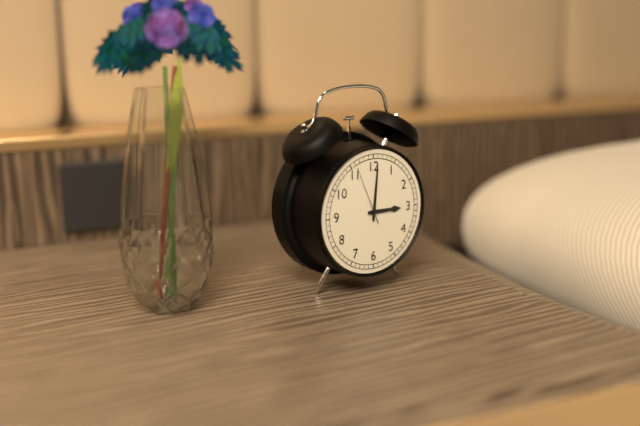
3.01.56
